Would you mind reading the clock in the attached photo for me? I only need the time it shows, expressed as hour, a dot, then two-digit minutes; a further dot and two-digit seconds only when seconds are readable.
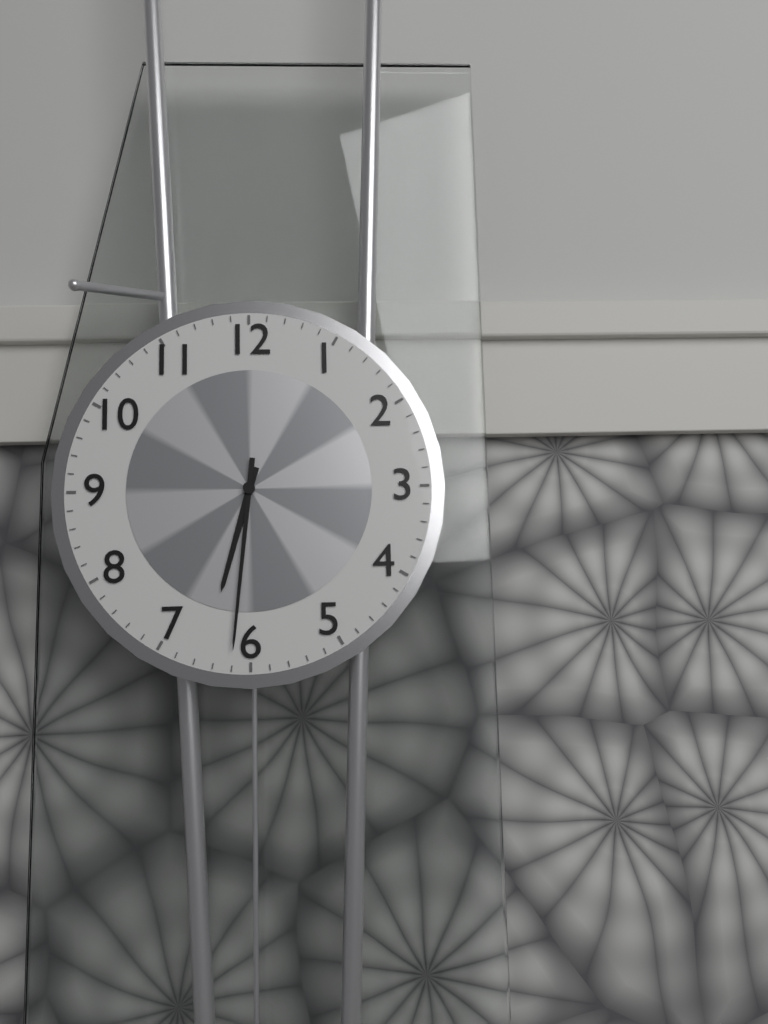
6.31
